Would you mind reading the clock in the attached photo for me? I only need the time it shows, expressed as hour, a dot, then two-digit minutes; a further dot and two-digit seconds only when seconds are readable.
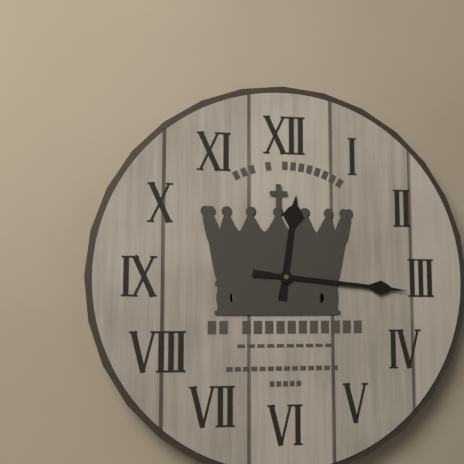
12.16
